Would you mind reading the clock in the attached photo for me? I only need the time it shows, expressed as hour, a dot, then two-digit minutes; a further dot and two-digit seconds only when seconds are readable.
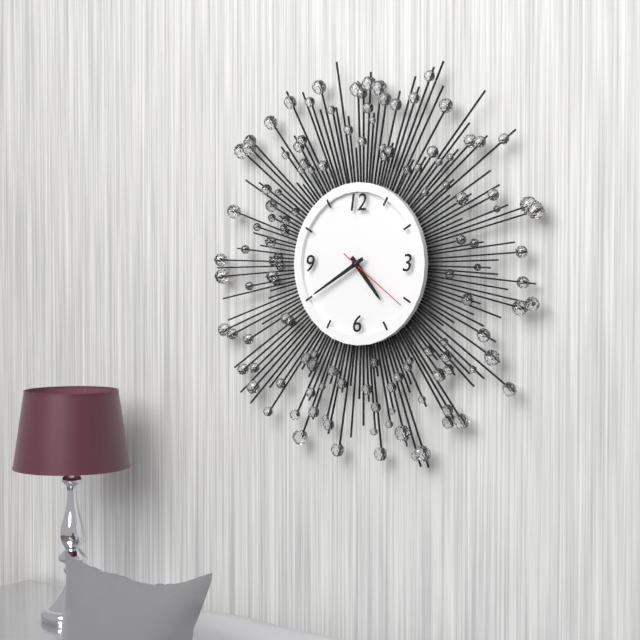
4.40.21
